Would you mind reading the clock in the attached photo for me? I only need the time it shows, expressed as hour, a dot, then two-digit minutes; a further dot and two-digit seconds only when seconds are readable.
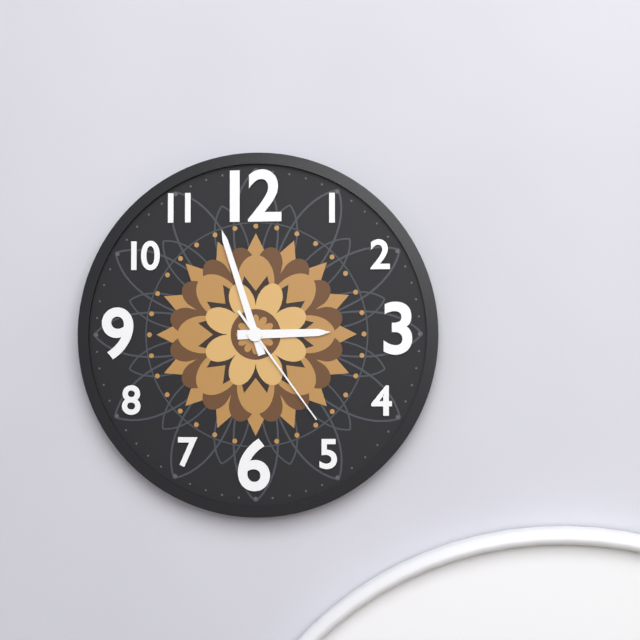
2.57.24
